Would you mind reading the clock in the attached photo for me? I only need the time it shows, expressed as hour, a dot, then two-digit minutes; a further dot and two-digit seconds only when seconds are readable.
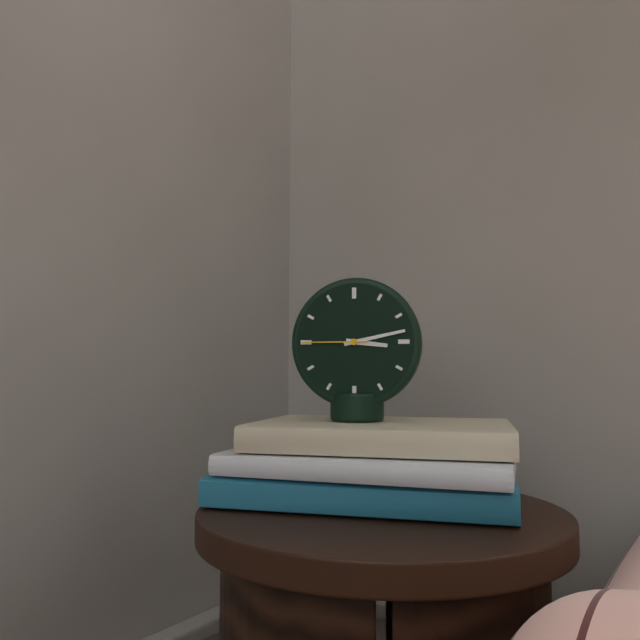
3.13.45
